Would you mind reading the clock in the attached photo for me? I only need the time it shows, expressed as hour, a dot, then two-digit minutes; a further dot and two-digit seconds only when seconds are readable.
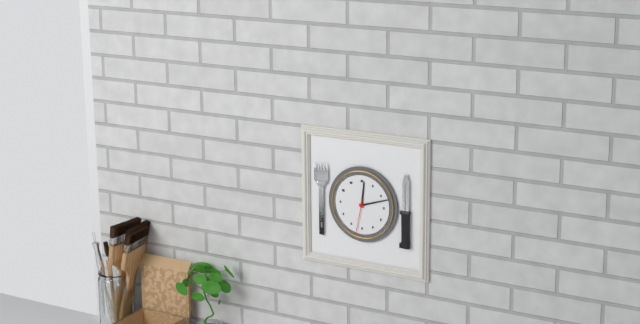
12.12
